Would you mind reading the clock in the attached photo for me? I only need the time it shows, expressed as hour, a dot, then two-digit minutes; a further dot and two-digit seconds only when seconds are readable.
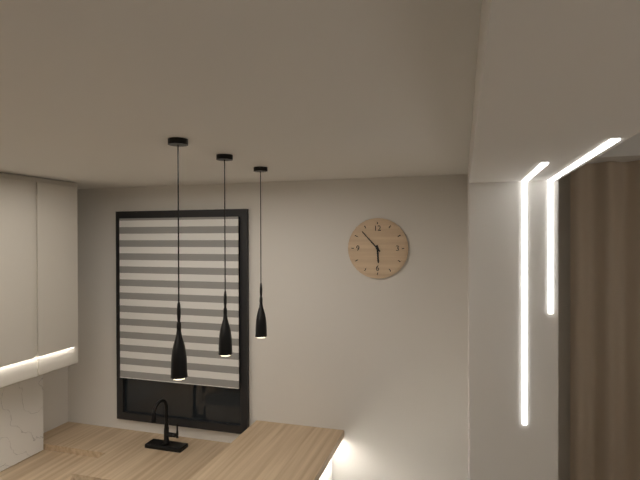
5.53
